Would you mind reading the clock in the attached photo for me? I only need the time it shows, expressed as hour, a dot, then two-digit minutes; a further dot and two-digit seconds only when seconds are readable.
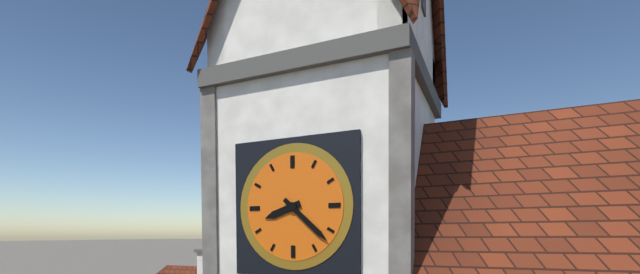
8.22
